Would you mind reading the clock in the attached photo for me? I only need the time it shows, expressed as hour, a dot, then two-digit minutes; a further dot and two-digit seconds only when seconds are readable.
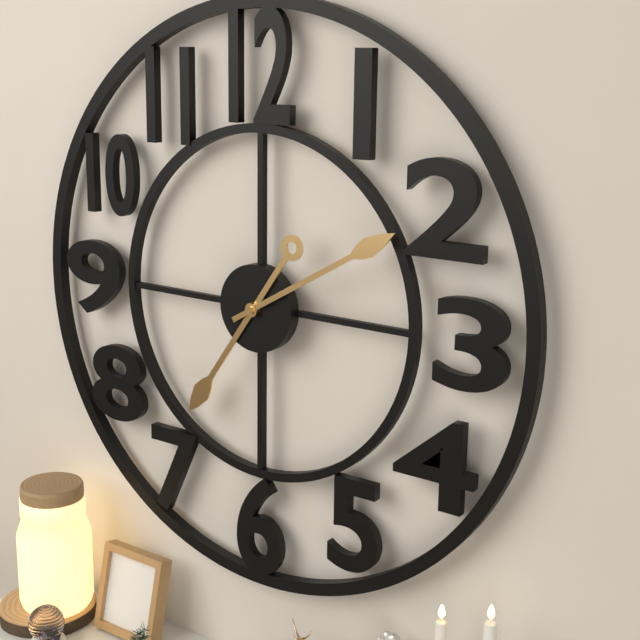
7.10
